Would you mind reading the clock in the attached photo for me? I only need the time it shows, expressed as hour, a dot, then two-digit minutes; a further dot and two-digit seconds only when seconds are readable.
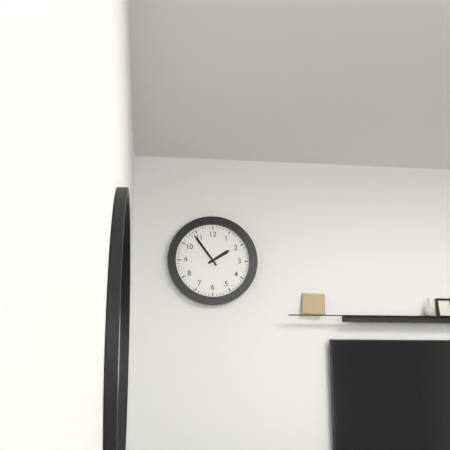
1.54
